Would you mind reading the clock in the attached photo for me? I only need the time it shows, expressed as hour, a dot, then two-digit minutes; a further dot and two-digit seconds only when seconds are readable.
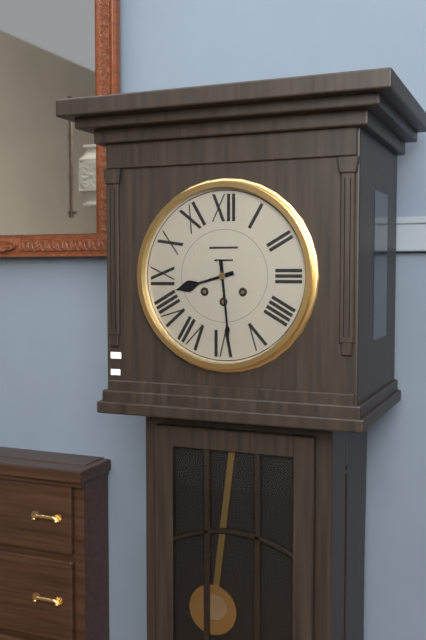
8.29
